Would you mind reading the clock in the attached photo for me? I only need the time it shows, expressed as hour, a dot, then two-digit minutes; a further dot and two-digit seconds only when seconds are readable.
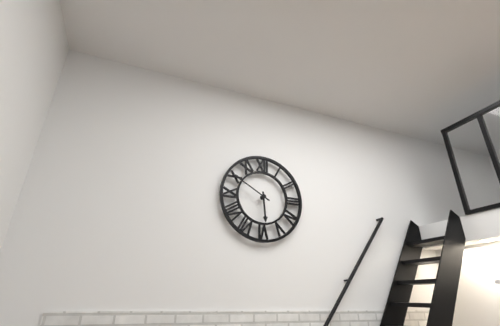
5.50
